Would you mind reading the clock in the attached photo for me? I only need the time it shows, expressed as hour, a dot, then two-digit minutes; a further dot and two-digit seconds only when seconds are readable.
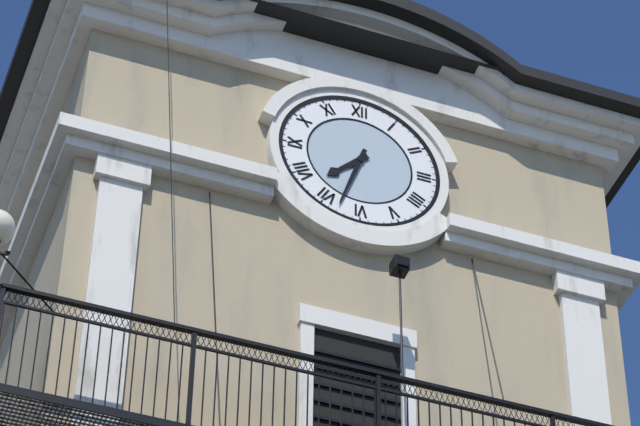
7.33
